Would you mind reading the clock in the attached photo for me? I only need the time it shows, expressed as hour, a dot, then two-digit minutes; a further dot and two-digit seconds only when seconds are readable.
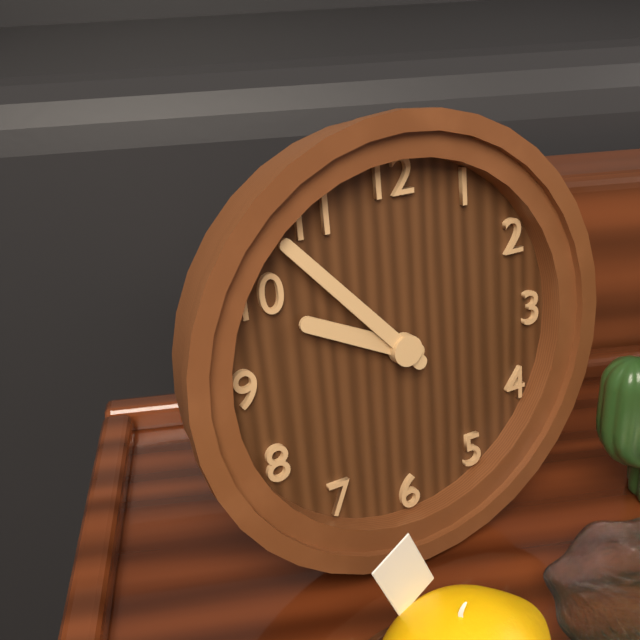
9.53
